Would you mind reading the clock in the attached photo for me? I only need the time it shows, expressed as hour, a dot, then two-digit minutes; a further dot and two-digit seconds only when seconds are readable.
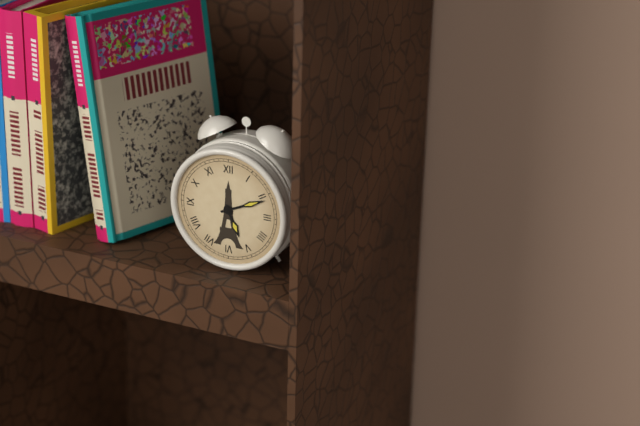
5.11
